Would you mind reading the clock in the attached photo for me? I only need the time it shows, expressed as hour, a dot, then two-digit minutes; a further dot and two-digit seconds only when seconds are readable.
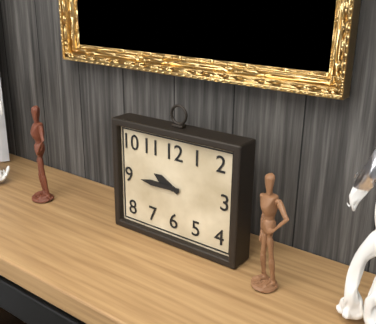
9.45
